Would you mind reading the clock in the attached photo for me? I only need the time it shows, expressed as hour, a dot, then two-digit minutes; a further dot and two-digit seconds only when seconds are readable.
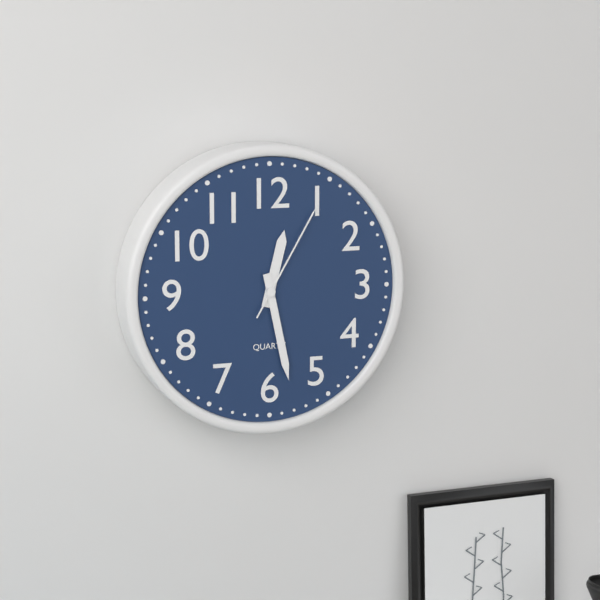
12.28.05
